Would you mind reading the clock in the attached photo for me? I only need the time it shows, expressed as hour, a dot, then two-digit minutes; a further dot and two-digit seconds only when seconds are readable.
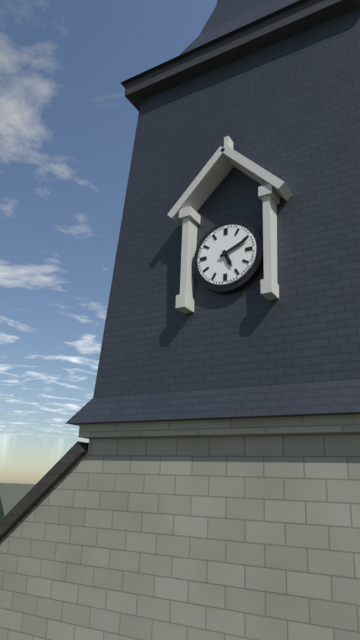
5.11
